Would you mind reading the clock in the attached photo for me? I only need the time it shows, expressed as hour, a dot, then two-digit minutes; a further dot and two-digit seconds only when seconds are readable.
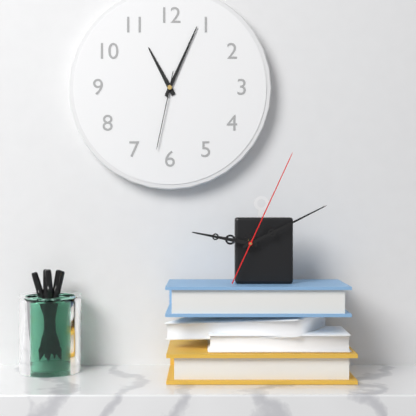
11.04.32
